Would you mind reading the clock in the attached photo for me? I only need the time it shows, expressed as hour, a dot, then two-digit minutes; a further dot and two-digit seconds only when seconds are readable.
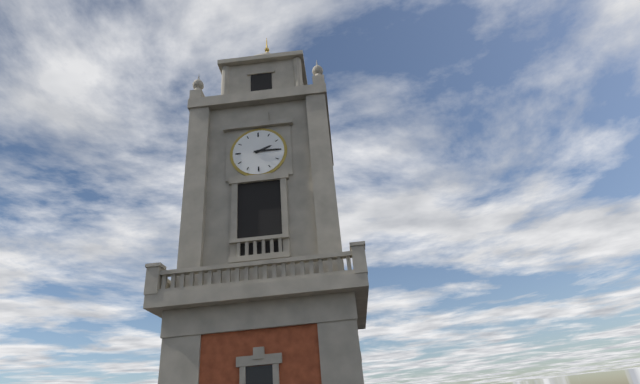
2.15
